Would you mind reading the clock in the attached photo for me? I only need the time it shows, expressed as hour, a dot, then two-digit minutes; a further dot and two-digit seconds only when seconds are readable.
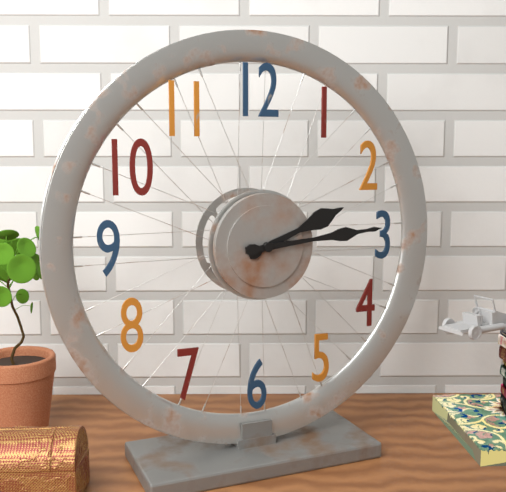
2.14
